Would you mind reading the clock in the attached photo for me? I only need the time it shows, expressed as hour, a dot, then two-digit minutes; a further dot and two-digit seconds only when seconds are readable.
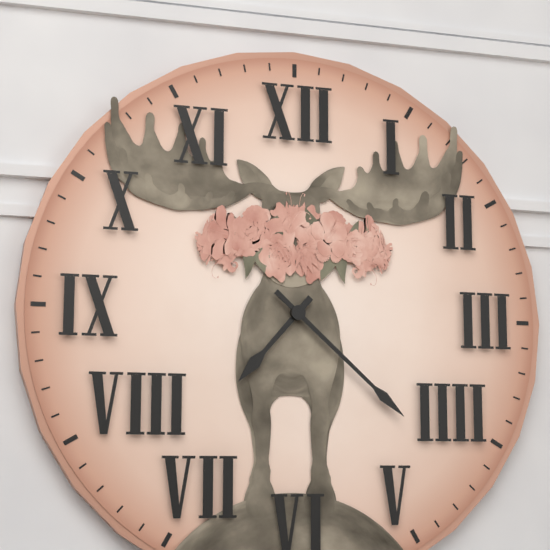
7.22
